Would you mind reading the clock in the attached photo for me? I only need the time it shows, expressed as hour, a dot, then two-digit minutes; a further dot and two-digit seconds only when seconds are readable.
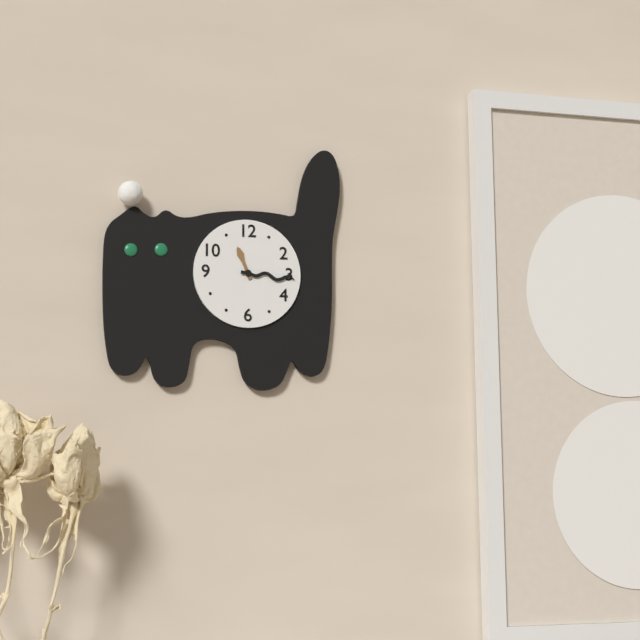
11.16
